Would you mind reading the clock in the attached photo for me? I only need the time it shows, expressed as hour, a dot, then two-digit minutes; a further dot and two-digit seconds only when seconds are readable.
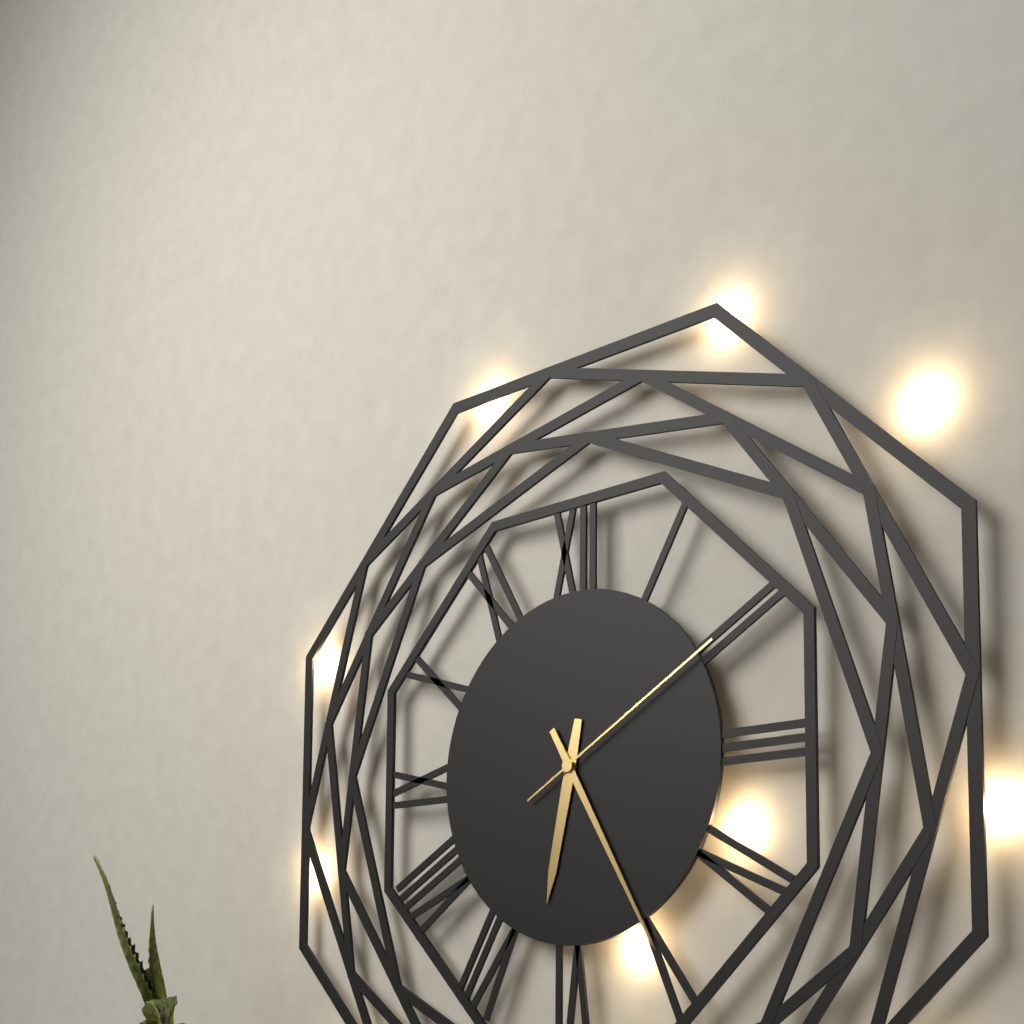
6.25.10
